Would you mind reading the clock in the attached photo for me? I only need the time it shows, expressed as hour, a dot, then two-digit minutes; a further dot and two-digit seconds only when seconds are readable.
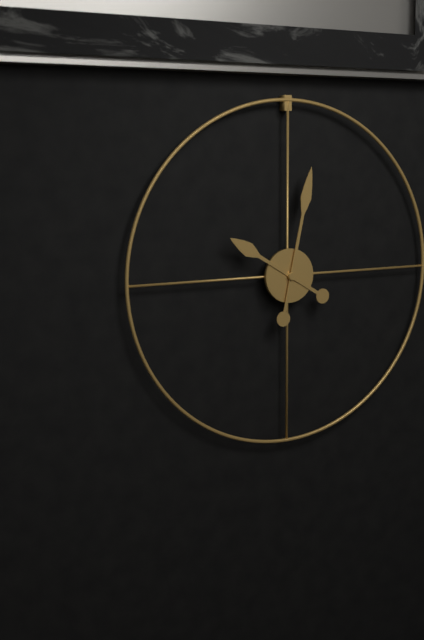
10.02
